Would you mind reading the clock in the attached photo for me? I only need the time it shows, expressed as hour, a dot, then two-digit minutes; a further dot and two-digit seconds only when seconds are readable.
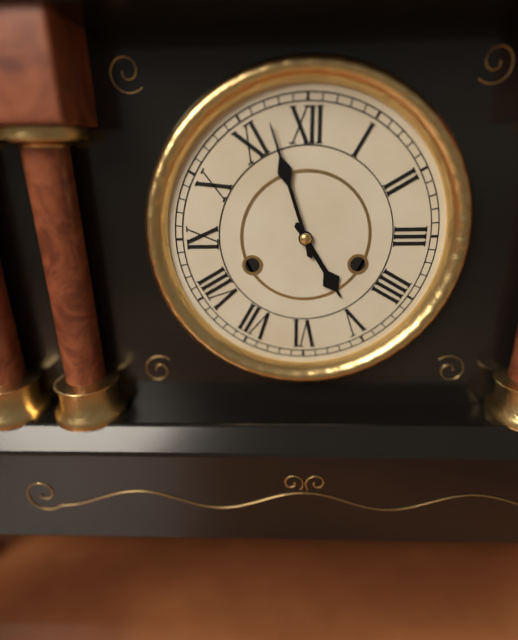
4.57
